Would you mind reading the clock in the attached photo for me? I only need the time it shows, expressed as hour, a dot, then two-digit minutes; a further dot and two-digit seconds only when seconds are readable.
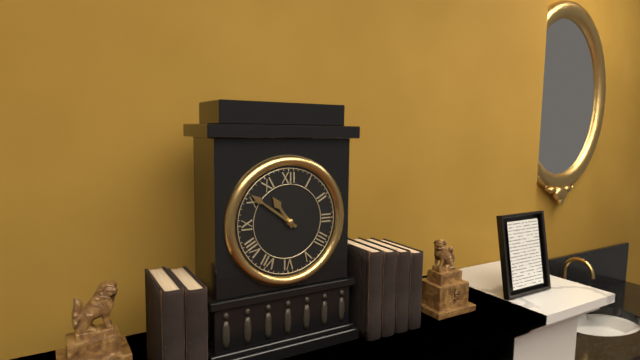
10.51
